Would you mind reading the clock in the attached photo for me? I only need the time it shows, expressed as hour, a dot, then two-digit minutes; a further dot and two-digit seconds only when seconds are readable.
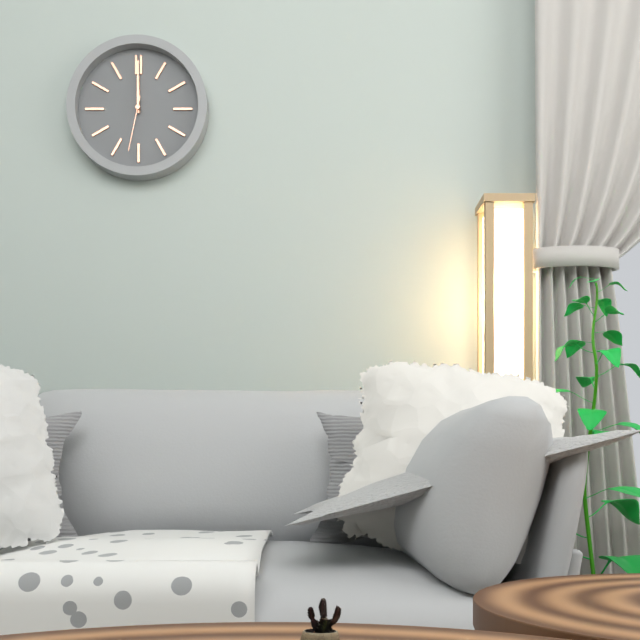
12.00
